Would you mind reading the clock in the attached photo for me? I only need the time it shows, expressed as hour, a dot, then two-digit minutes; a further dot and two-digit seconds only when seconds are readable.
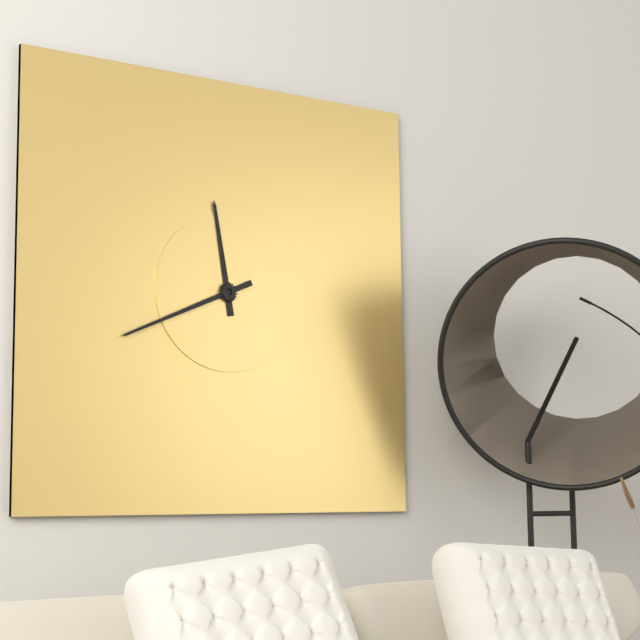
11.41
